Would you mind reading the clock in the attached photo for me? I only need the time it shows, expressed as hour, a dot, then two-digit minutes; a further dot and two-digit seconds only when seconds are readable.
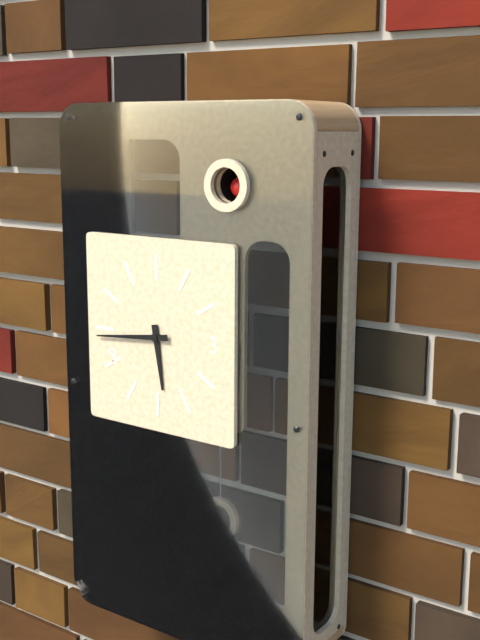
5.44
